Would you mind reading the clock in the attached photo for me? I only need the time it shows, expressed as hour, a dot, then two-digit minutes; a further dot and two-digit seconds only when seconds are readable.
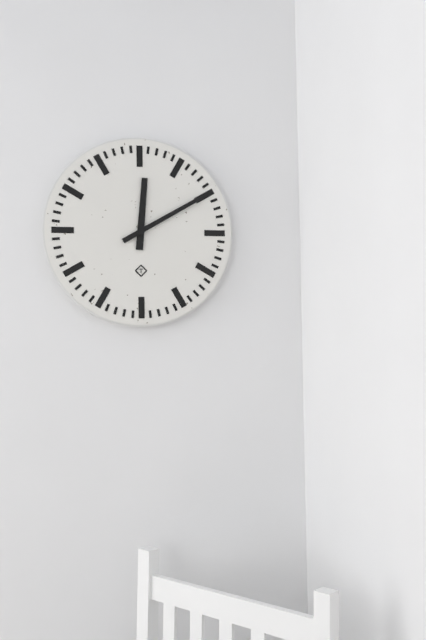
12.10
